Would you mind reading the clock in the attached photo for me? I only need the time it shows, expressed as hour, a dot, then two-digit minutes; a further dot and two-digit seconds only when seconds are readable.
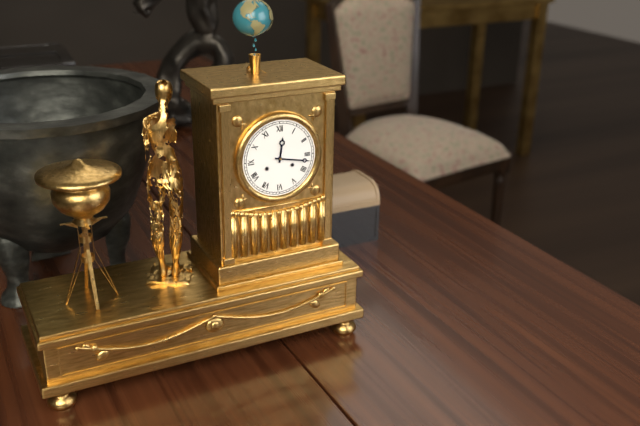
12.17
